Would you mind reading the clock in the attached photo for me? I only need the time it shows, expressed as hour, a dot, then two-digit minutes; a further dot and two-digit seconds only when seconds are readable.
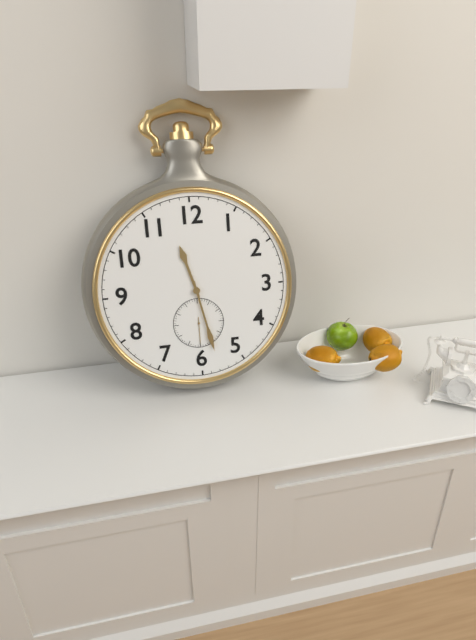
11.28
